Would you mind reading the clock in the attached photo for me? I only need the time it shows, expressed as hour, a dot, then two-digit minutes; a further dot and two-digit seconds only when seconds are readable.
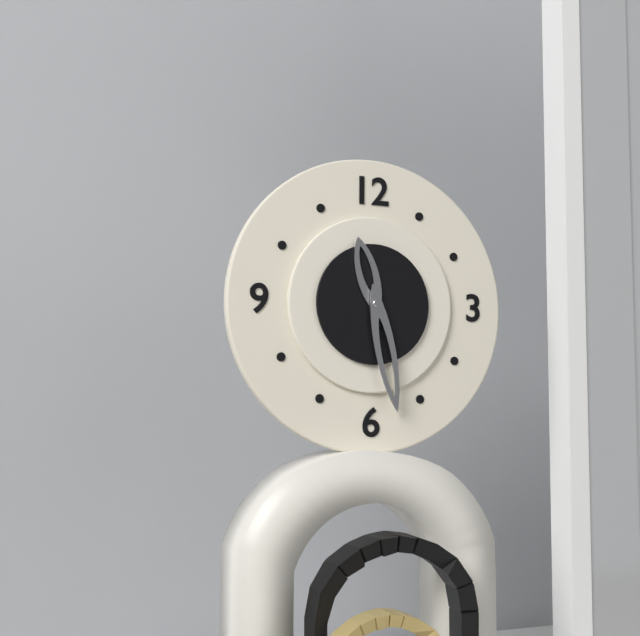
11.28
